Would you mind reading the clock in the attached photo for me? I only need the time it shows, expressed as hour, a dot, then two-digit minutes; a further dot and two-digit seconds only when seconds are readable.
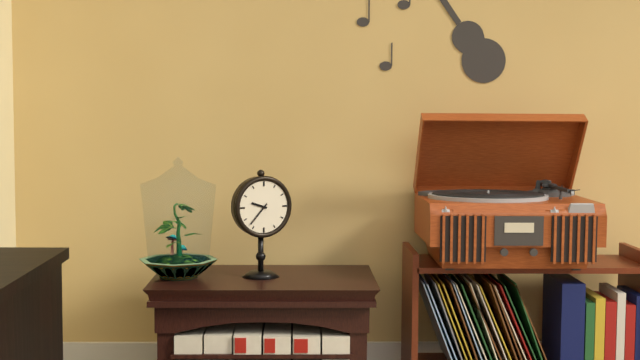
9.37
